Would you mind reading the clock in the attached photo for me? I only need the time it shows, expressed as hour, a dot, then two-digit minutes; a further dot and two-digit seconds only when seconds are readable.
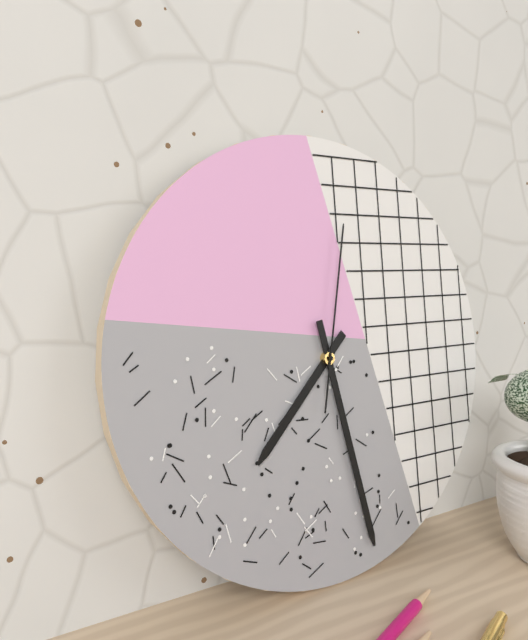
7.28.02
